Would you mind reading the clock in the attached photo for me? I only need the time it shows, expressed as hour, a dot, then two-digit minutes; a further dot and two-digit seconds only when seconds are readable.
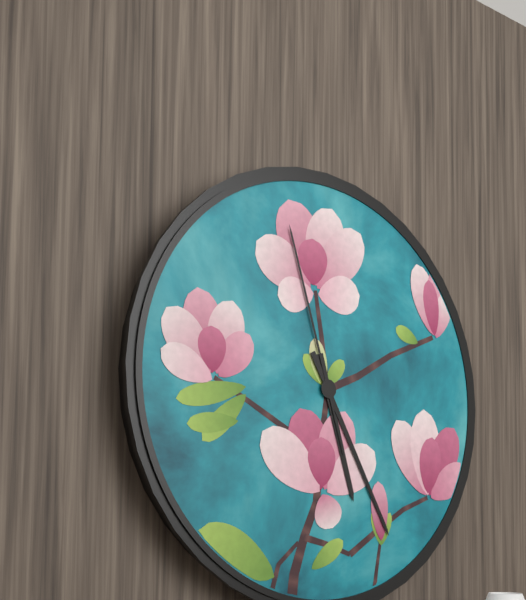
5.25.57
